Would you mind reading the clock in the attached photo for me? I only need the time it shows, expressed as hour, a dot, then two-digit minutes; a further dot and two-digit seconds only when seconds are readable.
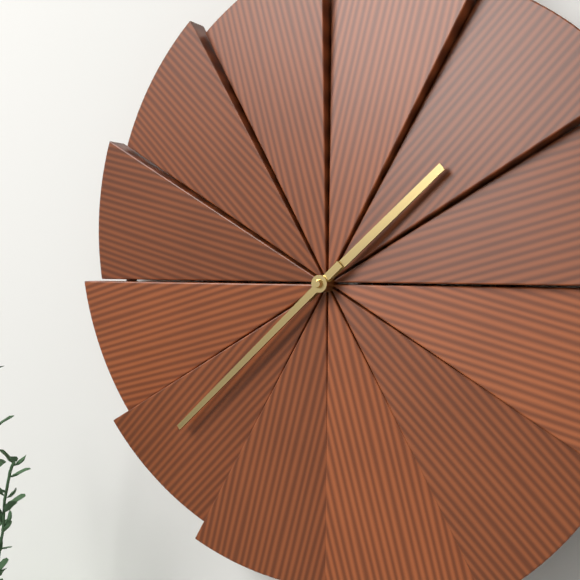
1.38
